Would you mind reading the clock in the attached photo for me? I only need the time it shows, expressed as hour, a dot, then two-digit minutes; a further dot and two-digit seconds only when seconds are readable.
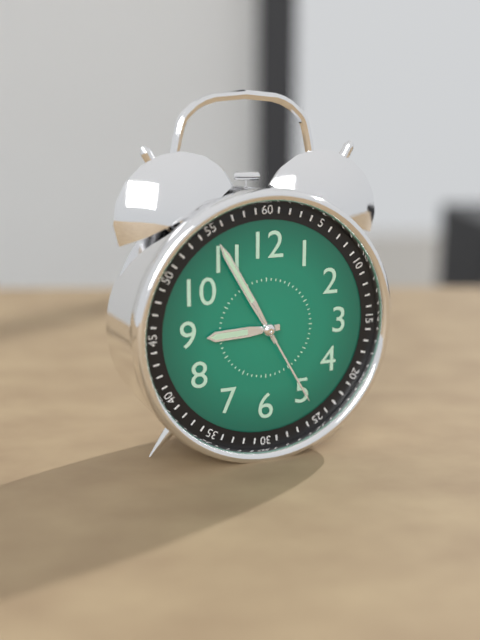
8.55.25
